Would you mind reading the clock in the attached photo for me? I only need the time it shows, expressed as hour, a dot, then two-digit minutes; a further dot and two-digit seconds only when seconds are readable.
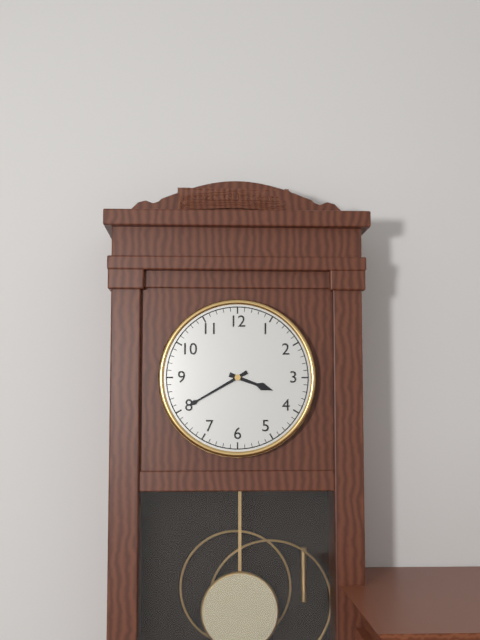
3.40
